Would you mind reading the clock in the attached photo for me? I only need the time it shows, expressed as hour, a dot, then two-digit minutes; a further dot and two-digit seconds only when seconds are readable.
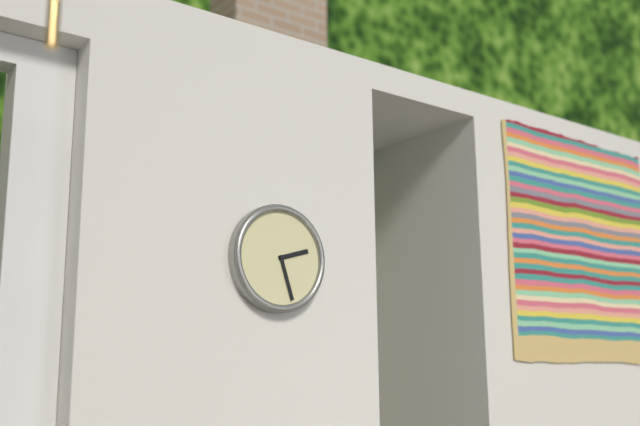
2.27
